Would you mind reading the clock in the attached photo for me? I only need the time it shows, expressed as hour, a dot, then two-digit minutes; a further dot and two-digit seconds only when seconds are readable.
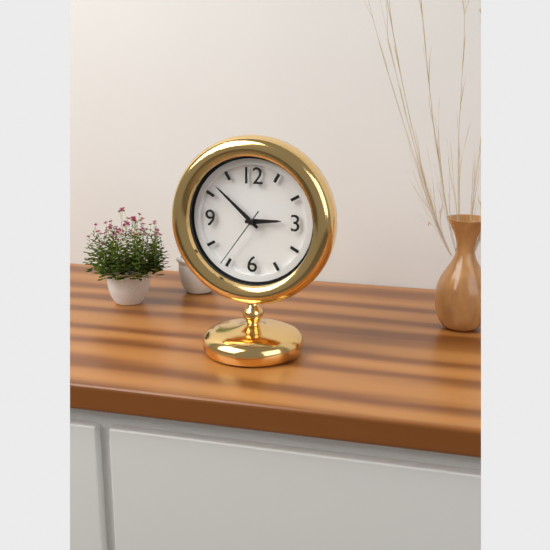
2.52.36
